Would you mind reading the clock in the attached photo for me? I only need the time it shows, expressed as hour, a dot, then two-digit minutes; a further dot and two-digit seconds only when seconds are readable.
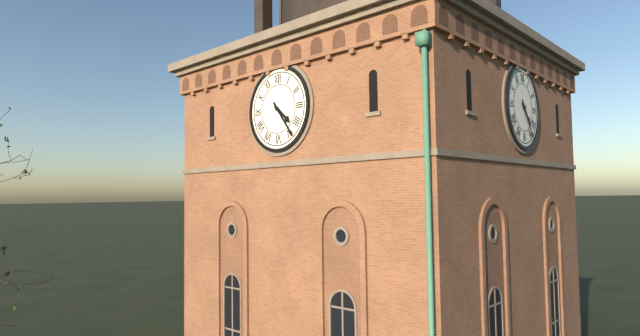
4.24
